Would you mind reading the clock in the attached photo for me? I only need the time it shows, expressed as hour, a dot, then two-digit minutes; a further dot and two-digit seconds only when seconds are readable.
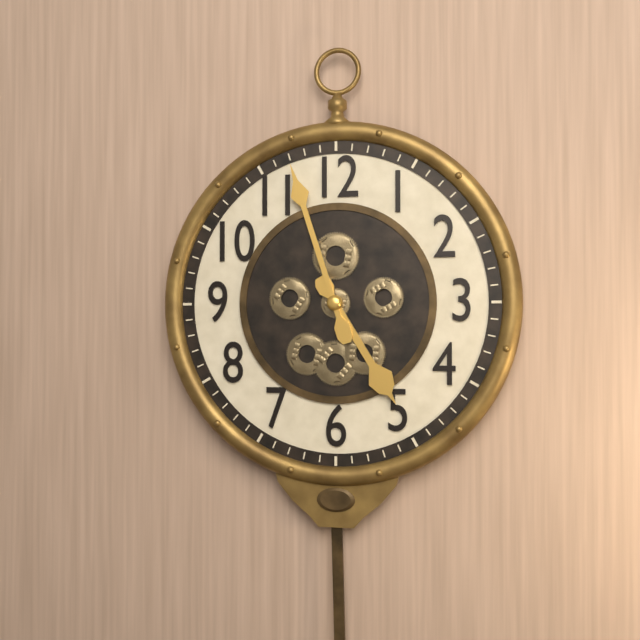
4.57
